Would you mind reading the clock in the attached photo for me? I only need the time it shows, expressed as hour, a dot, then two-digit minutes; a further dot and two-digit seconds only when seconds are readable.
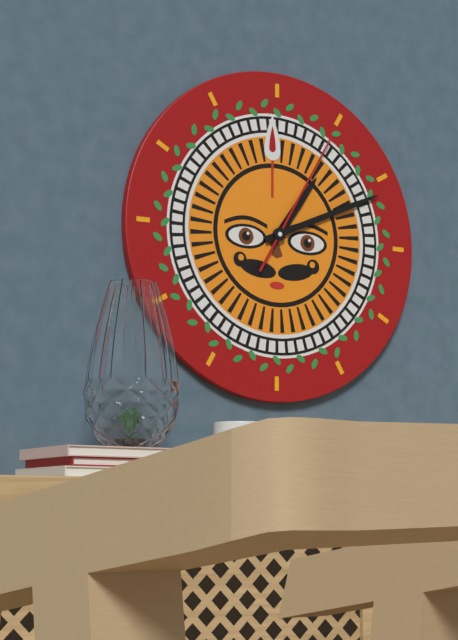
1.11.05
